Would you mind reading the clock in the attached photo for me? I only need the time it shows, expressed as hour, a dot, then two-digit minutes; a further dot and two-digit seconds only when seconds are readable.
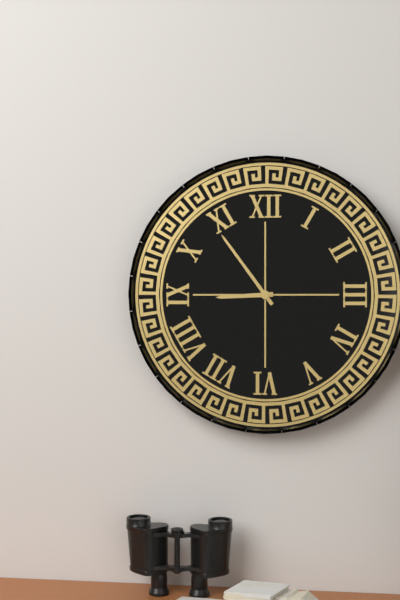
8.54
